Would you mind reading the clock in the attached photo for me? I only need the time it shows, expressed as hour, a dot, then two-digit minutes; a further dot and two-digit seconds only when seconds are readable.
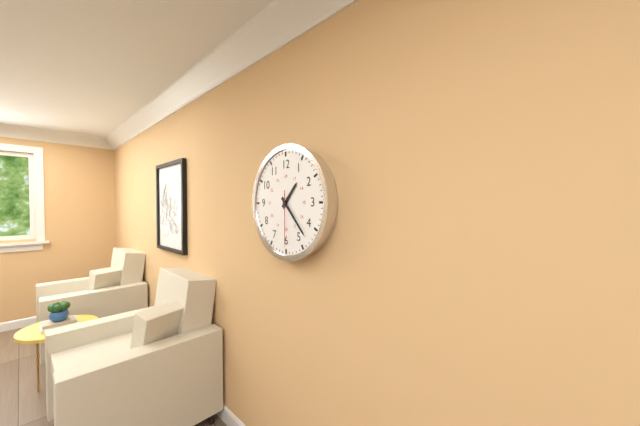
1.23.30
